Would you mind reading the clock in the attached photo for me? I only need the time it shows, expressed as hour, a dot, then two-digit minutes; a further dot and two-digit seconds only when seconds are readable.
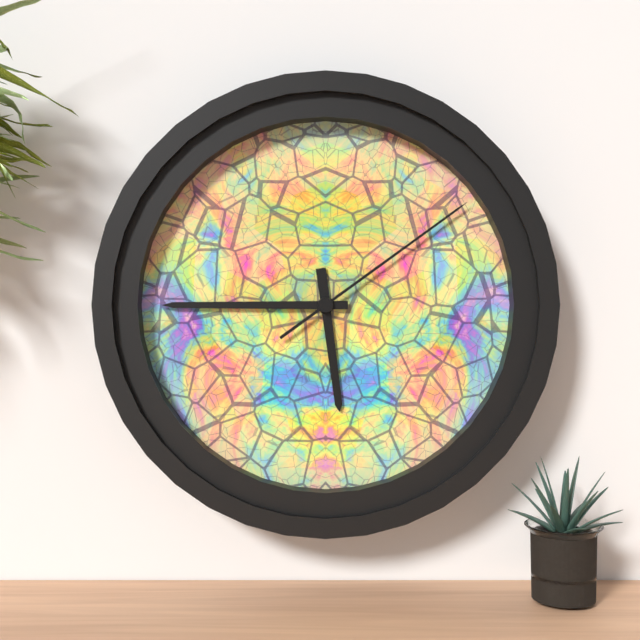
5.45.09
